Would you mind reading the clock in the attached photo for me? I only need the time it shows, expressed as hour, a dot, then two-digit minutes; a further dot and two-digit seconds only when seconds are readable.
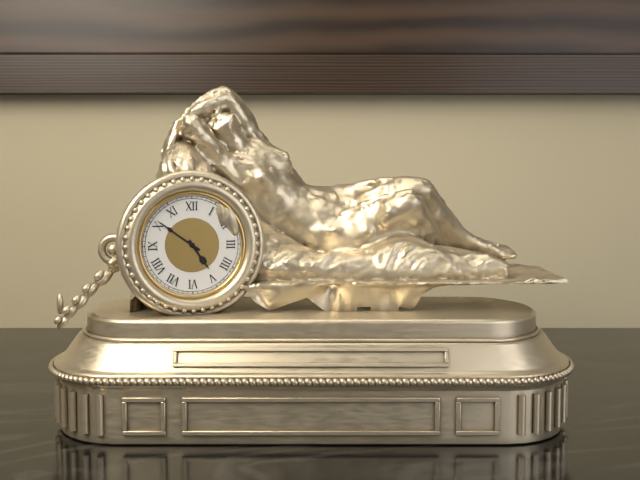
4.51
